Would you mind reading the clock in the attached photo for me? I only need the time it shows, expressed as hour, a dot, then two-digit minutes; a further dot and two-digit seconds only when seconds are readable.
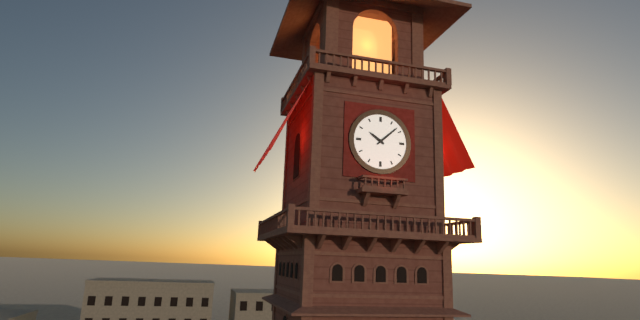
10.08
